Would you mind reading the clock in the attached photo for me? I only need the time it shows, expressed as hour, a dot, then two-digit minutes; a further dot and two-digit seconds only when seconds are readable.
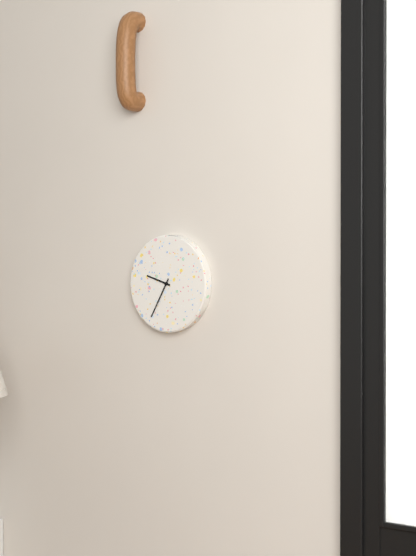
9.35
